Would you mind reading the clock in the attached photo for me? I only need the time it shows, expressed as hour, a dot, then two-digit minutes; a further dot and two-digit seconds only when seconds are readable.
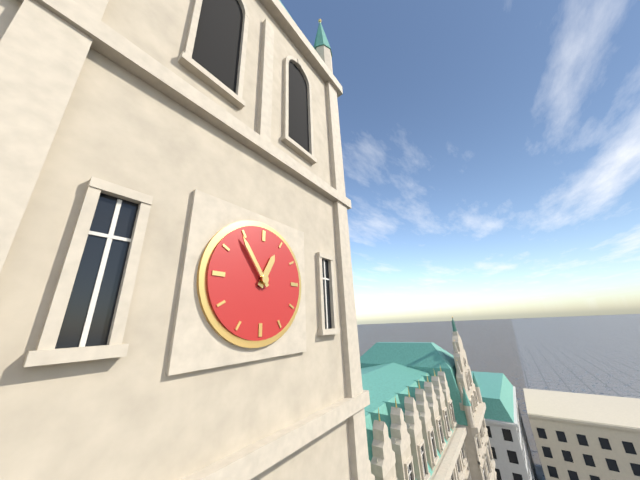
12.54
